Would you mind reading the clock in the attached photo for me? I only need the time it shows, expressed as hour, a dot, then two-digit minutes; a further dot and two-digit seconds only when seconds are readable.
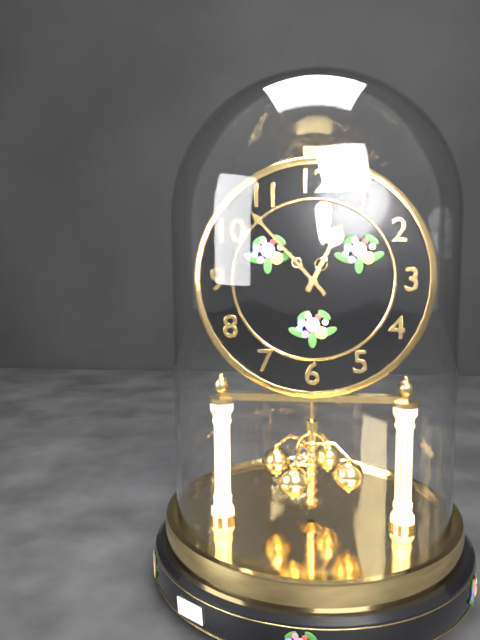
12.53
